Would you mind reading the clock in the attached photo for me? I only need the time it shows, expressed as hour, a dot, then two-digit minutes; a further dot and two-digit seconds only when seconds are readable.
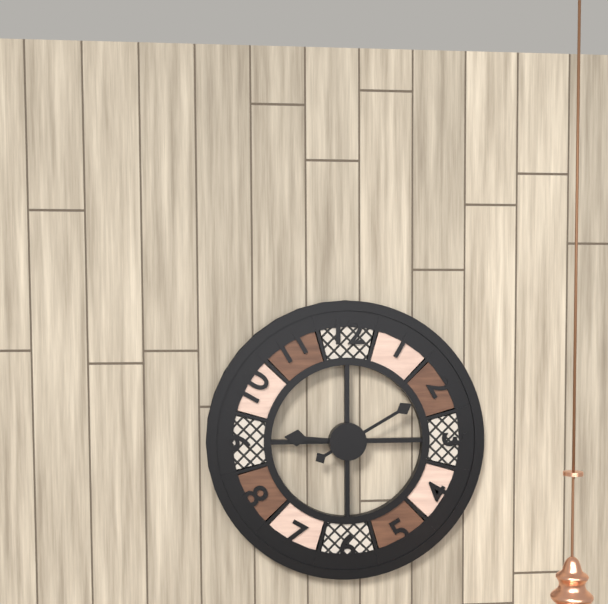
9.10
